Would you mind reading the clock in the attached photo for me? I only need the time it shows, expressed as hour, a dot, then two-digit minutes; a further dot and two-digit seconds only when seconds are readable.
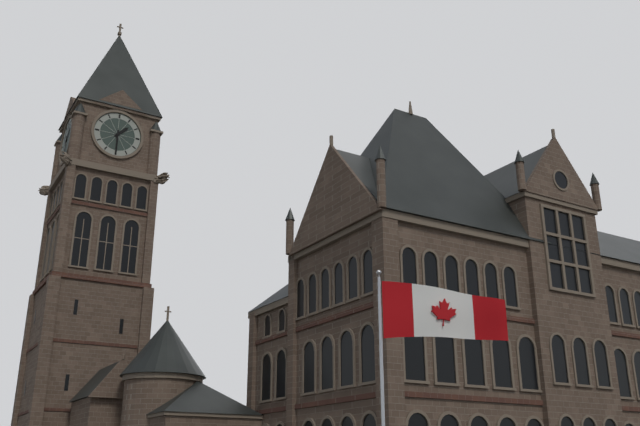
1.30
